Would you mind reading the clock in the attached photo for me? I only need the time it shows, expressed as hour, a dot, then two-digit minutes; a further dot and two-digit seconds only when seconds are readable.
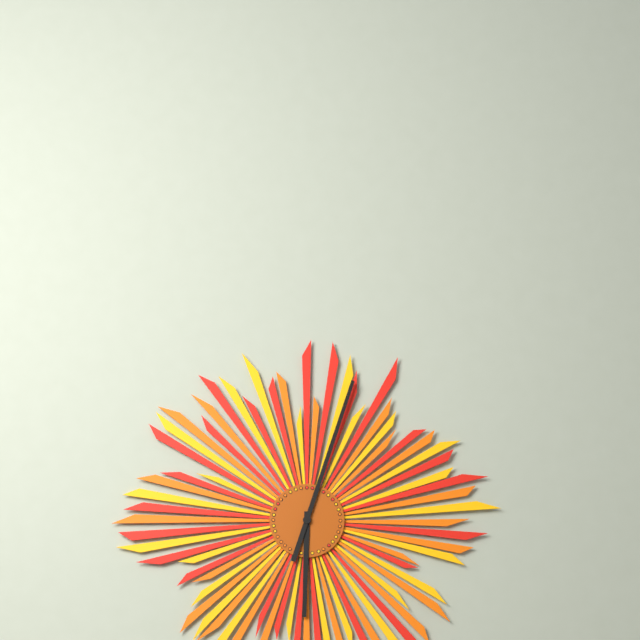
6.03
